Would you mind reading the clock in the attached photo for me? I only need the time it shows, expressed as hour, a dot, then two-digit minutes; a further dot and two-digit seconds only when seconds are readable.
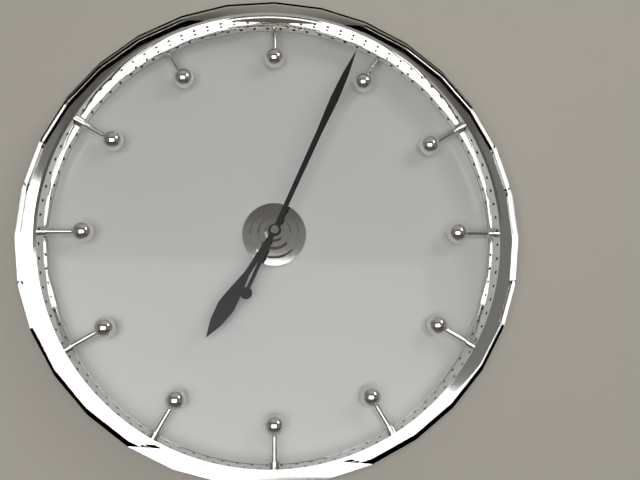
7.04
